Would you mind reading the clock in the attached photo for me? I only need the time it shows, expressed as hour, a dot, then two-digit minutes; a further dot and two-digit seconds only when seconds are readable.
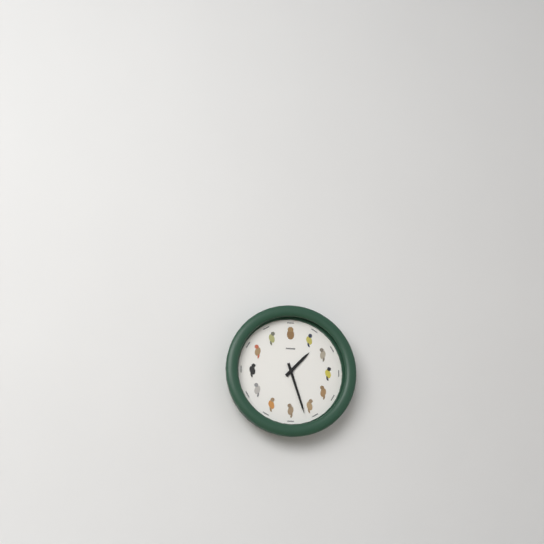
1.27
